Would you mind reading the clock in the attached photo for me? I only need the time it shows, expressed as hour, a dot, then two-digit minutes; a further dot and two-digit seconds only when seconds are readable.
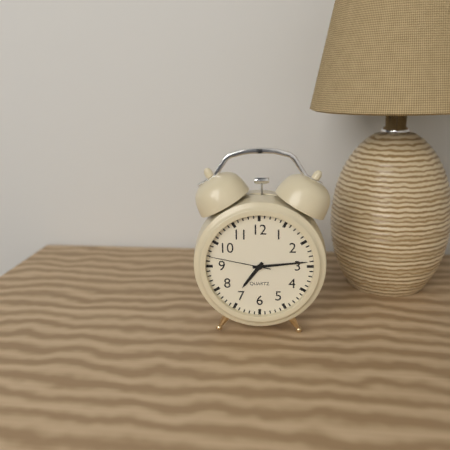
7.14.47
